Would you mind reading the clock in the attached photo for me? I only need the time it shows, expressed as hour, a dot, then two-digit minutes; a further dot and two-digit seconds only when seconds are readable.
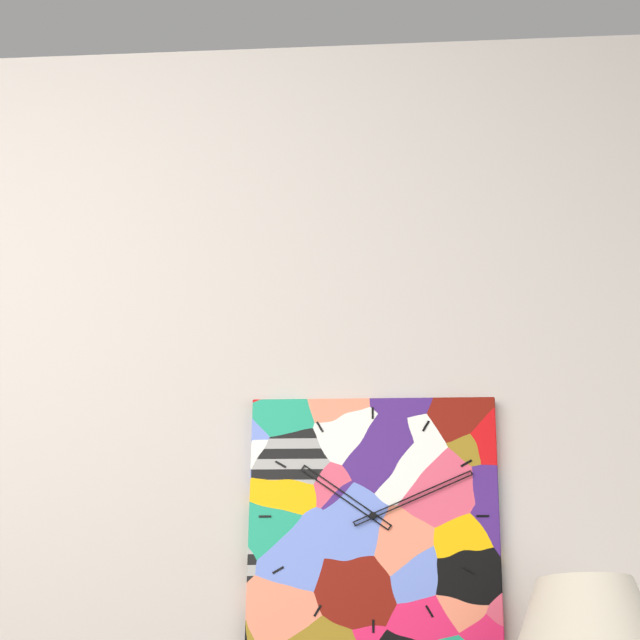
10.11
